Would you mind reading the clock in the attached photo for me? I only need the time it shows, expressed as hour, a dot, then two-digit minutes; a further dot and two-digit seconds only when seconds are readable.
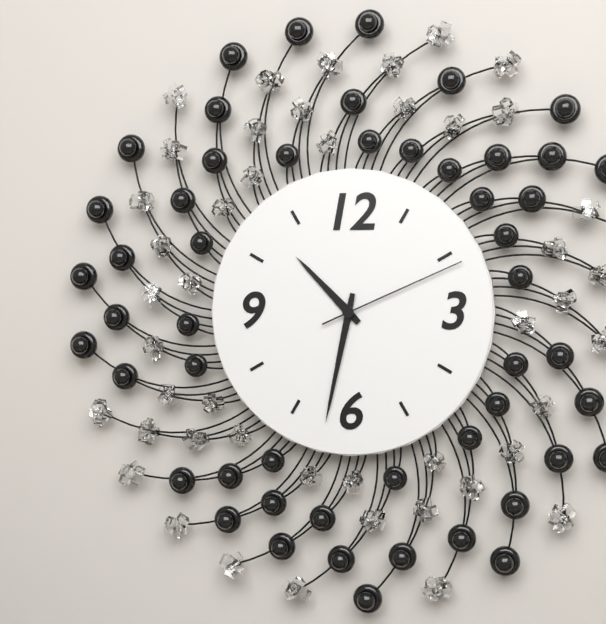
10.32.11
